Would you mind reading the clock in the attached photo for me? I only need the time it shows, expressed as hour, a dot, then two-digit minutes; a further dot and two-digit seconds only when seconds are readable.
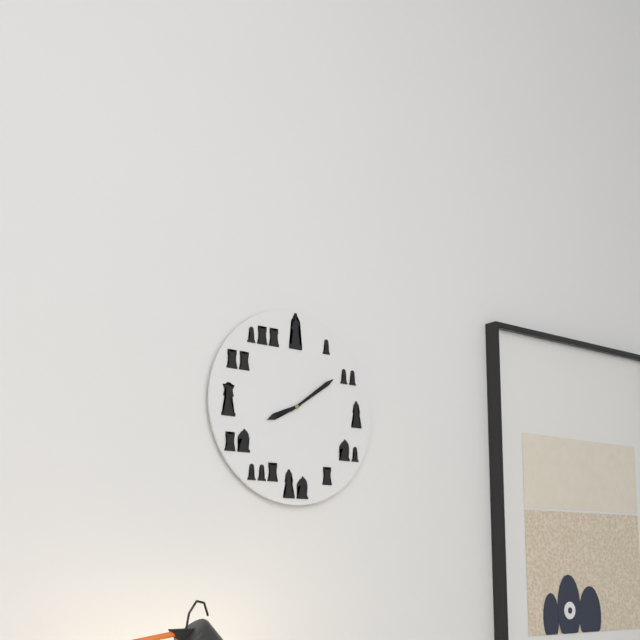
8.09
